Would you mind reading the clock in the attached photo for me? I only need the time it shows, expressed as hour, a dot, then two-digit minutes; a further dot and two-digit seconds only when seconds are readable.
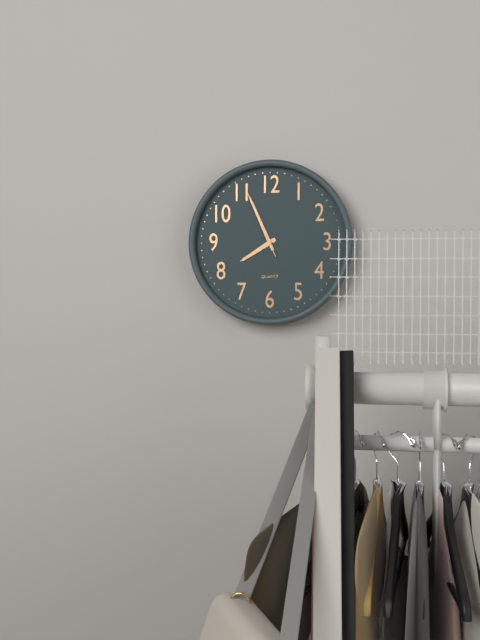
7.56.56
